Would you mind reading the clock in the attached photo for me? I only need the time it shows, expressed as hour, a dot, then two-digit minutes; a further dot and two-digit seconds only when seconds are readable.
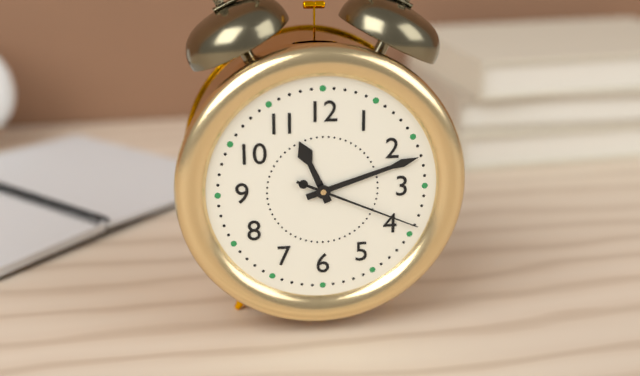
11.12.19
